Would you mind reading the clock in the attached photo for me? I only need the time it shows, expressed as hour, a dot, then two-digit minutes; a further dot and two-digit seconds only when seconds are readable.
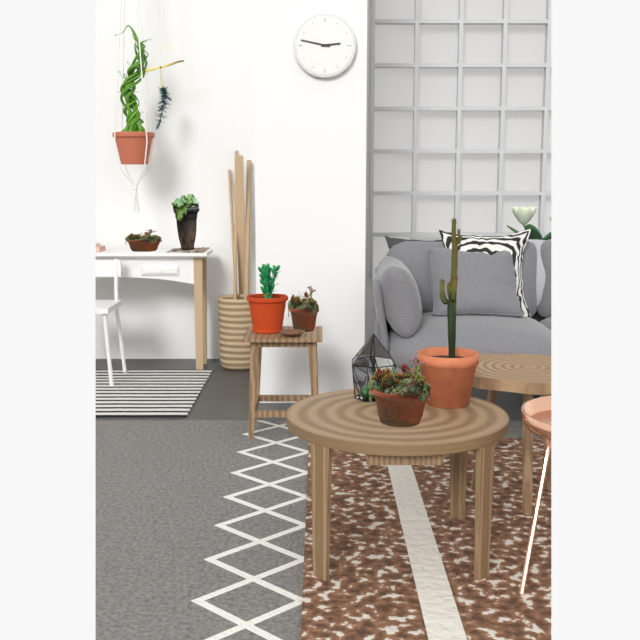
2.47
